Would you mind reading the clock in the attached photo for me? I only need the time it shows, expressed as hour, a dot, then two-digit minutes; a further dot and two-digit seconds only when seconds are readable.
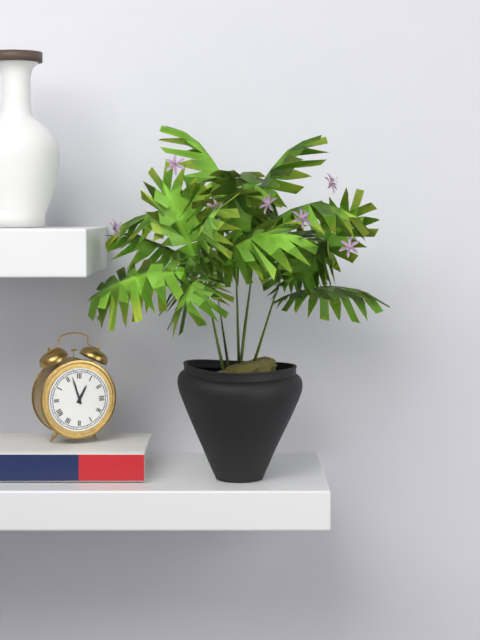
12.57
